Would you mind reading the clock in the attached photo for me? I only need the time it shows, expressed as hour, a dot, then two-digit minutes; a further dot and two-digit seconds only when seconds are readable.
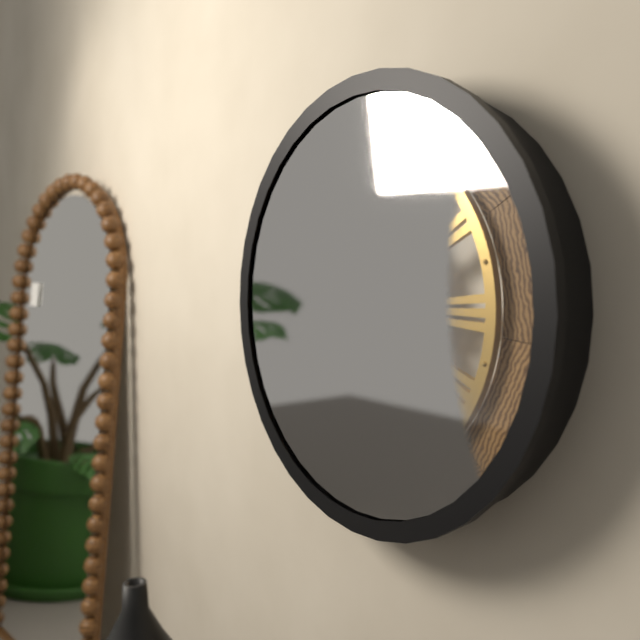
3.21
